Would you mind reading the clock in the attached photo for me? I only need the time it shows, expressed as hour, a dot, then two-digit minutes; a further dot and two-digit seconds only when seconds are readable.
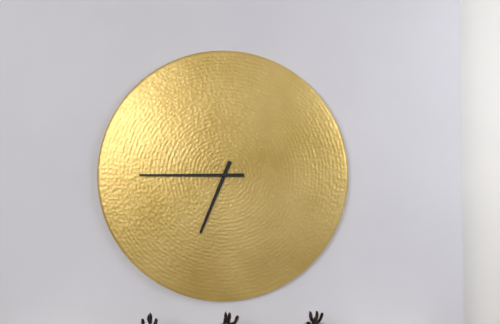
6.45
